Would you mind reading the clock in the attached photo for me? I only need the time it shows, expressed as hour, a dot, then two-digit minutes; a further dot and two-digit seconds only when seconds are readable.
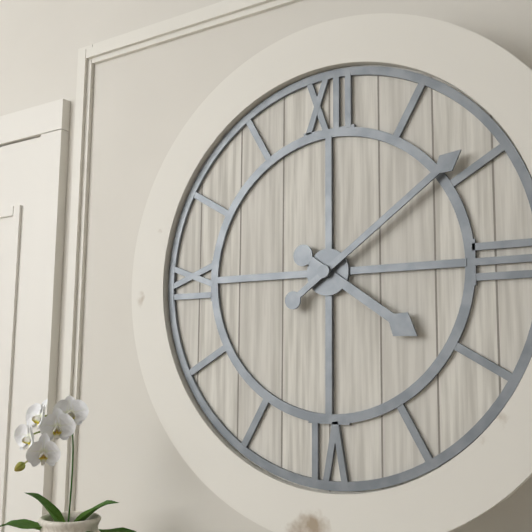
4.09
